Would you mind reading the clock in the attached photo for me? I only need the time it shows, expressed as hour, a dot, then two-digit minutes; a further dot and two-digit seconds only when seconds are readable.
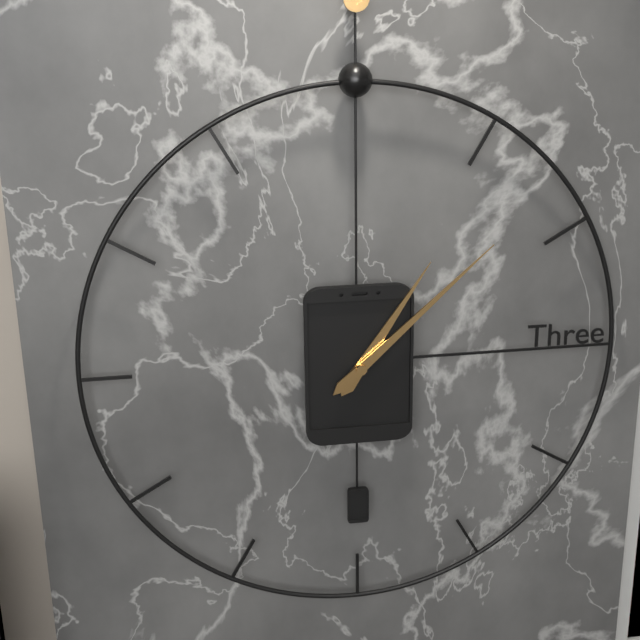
1.08
